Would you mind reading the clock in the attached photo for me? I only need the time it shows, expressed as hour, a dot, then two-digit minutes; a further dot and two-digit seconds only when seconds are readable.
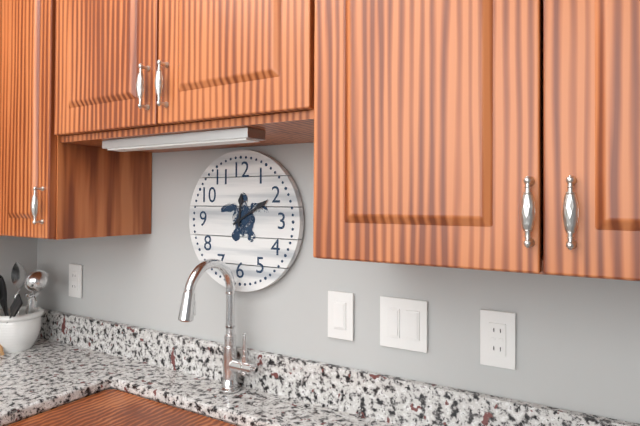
12.10
